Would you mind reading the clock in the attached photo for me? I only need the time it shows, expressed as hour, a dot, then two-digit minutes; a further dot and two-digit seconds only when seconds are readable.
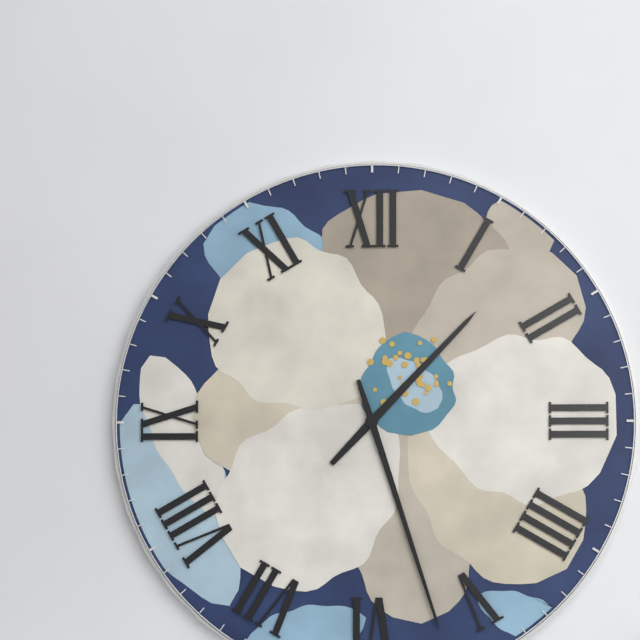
1.27
